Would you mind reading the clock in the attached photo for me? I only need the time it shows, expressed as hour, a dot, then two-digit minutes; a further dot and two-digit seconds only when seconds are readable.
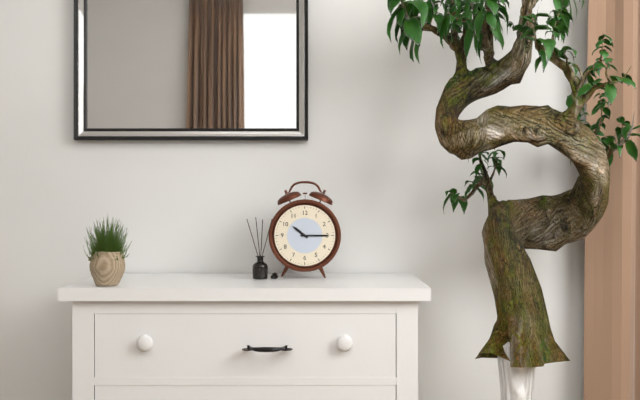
10.15
